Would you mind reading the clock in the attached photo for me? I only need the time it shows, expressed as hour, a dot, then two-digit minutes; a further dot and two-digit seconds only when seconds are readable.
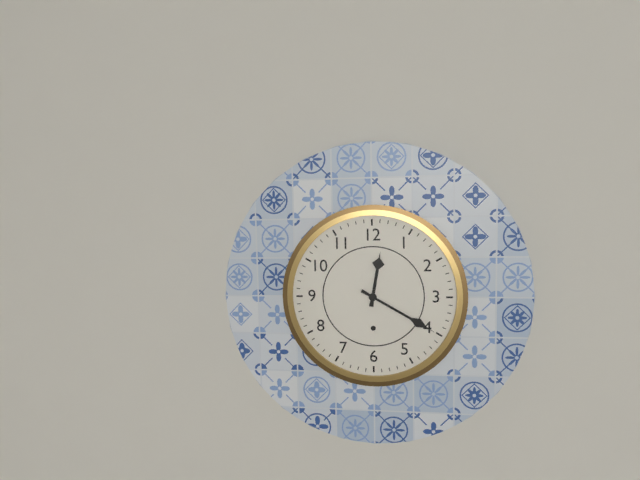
12.20
